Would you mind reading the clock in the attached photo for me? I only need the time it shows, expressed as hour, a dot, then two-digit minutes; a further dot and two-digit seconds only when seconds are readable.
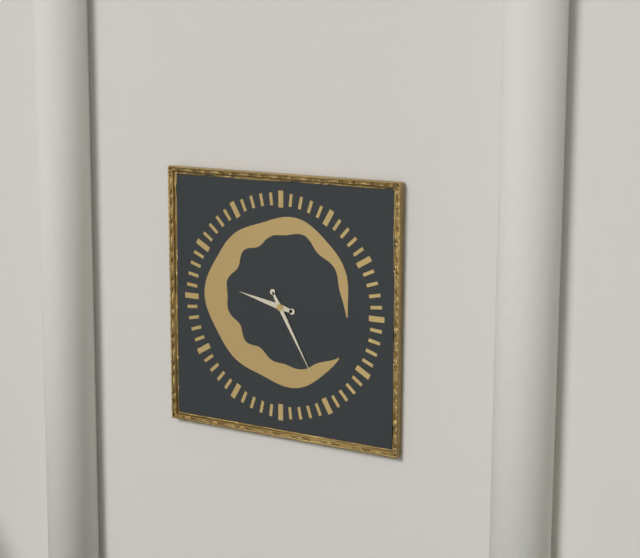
9.25
